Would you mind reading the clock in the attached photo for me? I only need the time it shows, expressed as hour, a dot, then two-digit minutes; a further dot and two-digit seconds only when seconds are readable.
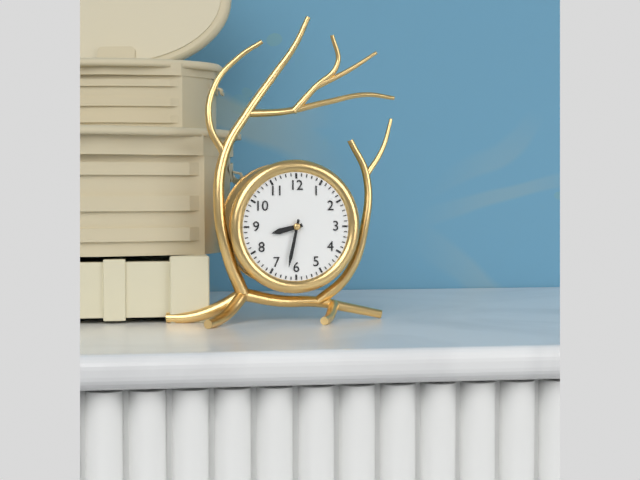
8.32
